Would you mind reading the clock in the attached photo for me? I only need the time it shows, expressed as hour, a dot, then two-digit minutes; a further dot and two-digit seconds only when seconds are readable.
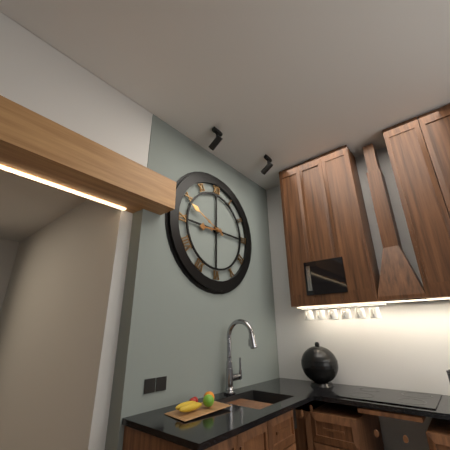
8.49
